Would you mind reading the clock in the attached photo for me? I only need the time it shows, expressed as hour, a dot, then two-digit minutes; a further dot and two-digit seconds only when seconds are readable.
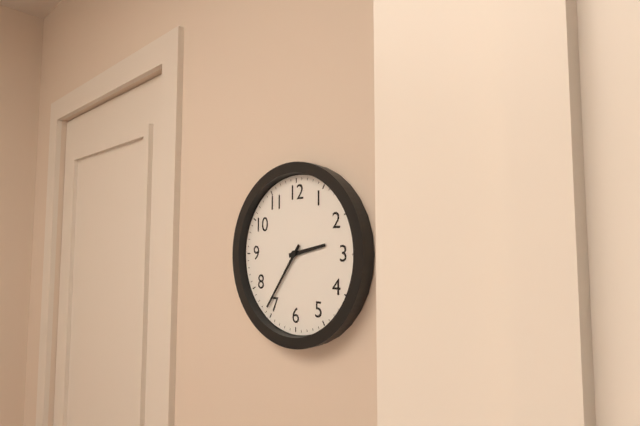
2.36
